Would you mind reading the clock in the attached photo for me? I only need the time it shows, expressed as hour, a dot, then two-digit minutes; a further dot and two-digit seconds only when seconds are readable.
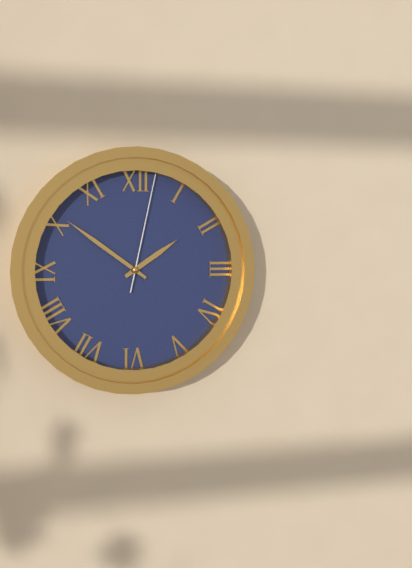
1.51.02
